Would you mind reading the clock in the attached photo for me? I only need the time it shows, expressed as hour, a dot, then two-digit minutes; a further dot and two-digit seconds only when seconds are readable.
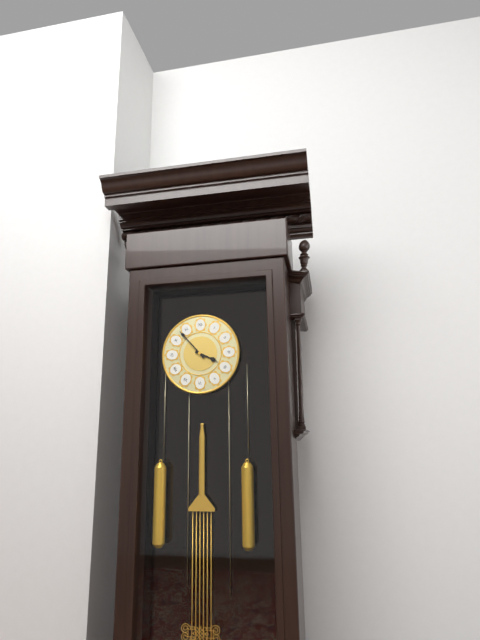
3.53
